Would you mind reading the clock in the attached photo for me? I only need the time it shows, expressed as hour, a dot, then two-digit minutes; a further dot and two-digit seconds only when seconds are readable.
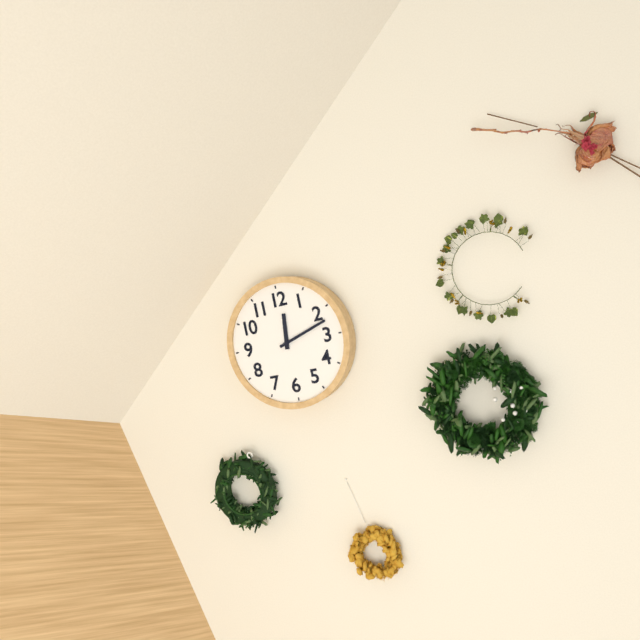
12.12
